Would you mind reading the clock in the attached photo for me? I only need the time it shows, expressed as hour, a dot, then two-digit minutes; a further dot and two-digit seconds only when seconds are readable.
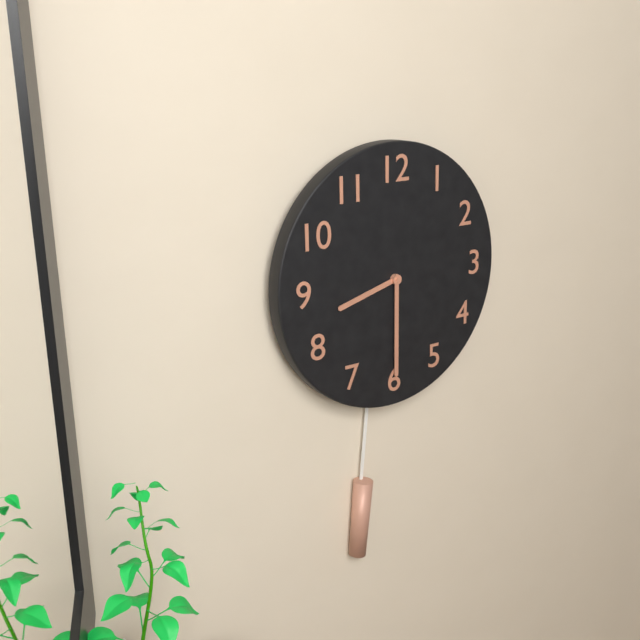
8.30
